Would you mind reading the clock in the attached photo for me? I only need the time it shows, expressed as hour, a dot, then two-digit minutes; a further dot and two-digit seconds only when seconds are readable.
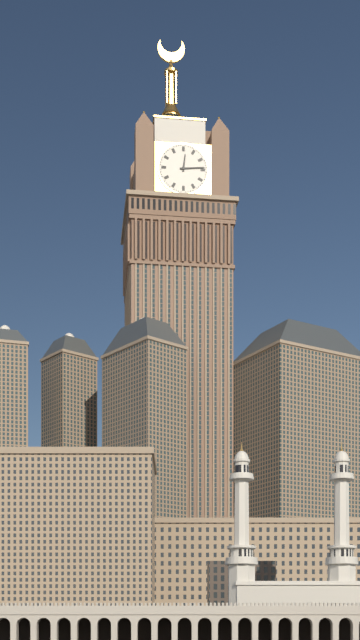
12.14
